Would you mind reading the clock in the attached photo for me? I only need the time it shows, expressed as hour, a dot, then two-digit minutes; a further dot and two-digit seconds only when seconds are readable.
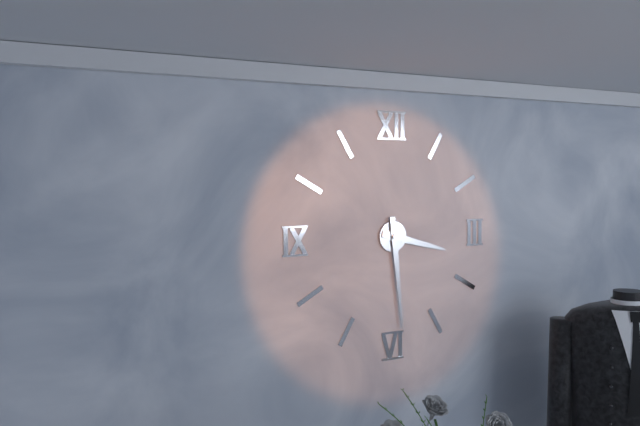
3.29
